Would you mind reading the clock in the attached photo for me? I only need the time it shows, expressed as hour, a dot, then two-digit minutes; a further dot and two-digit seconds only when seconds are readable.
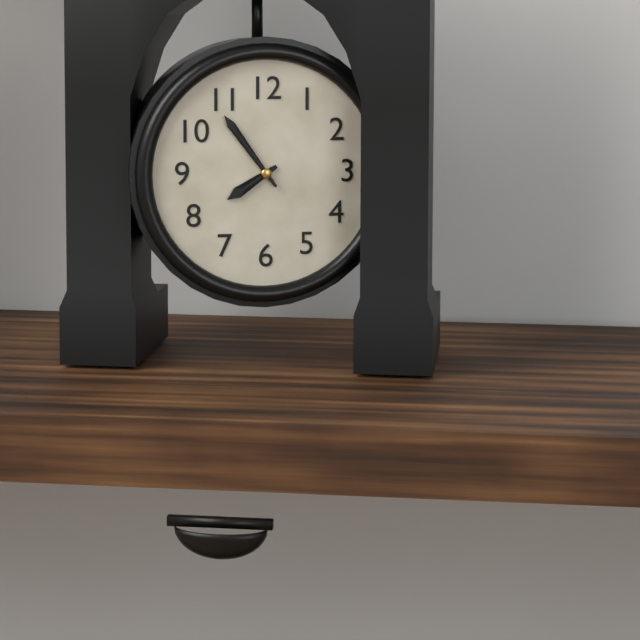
7.54
